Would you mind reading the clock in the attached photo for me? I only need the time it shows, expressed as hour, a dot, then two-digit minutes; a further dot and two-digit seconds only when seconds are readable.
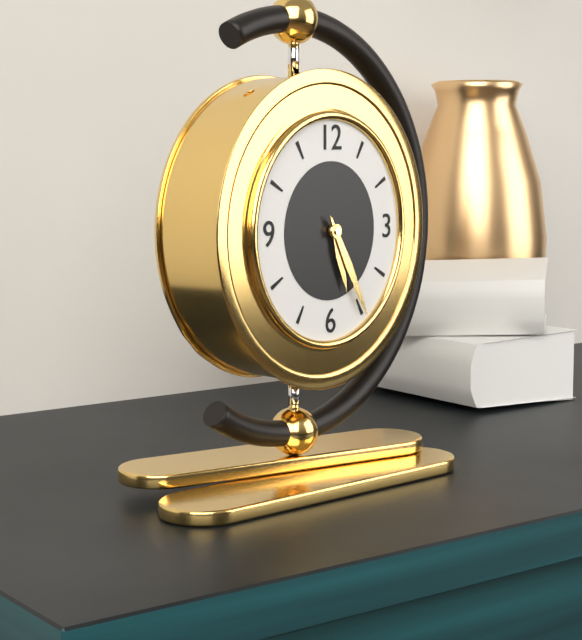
5.25
